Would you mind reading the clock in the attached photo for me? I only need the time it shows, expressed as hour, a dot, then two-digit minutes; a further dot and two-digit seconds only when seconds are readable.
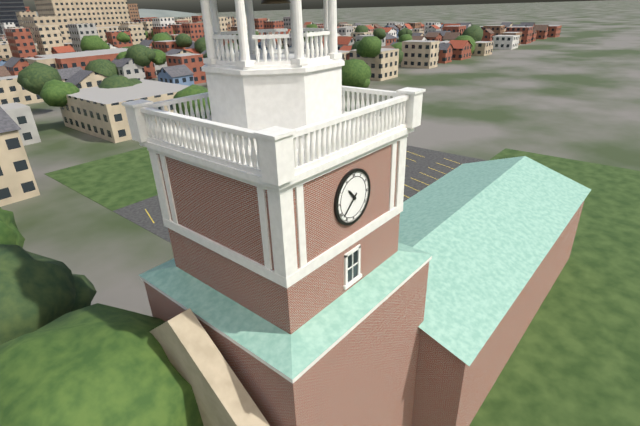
10.38
